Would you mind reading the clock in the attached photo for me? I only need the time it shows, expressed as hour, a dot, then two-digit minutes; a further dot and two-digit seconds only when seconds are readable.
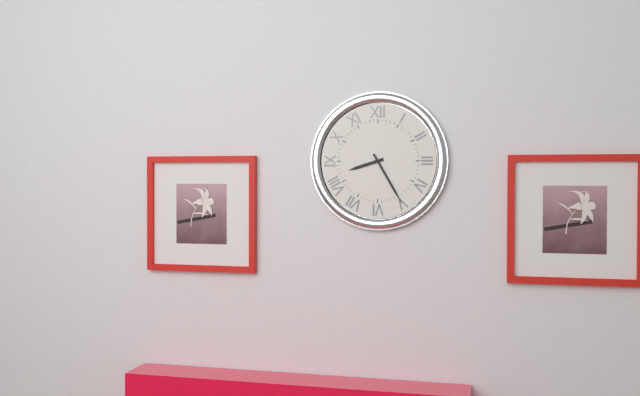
8.25
